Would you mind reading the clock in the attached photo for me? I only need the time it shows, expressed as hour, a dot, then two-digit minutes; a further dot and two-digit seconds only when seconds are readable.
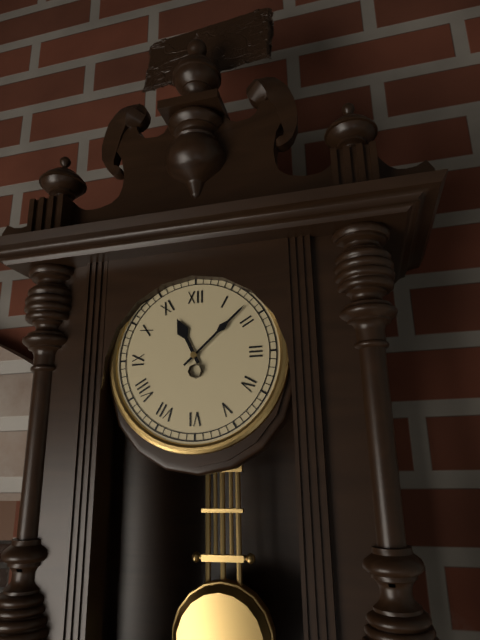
11.08
